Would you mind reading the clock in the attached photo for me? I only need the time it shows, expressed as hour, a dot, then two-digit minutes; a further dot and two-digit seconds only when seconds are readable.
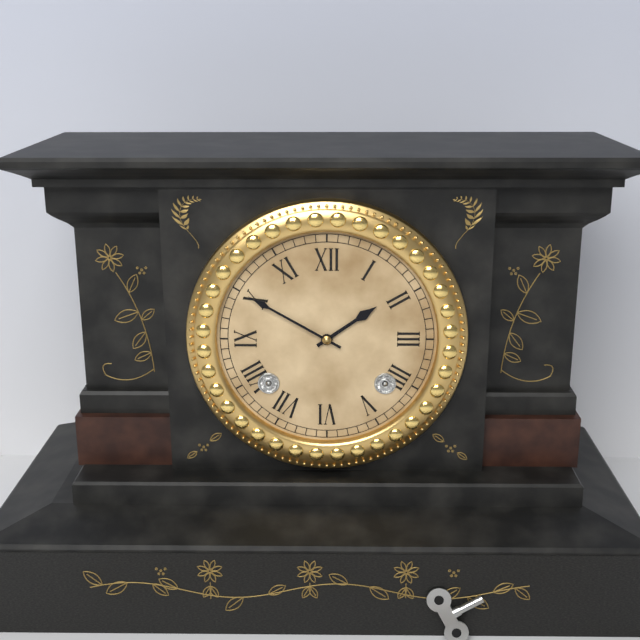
1.50
